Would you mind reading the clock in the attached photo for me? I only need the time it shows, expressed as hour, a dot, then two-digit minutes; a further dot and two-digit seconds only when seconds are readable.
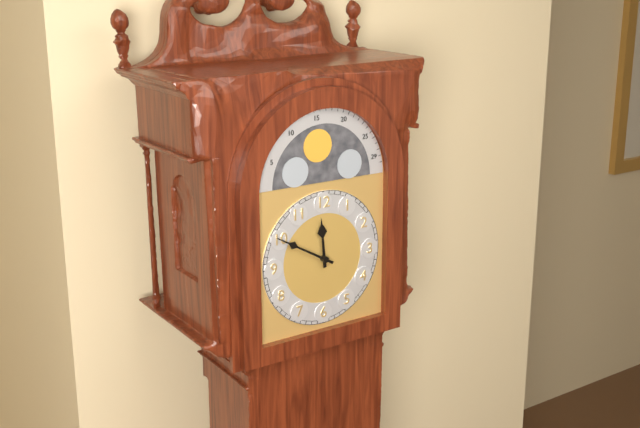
11.50
